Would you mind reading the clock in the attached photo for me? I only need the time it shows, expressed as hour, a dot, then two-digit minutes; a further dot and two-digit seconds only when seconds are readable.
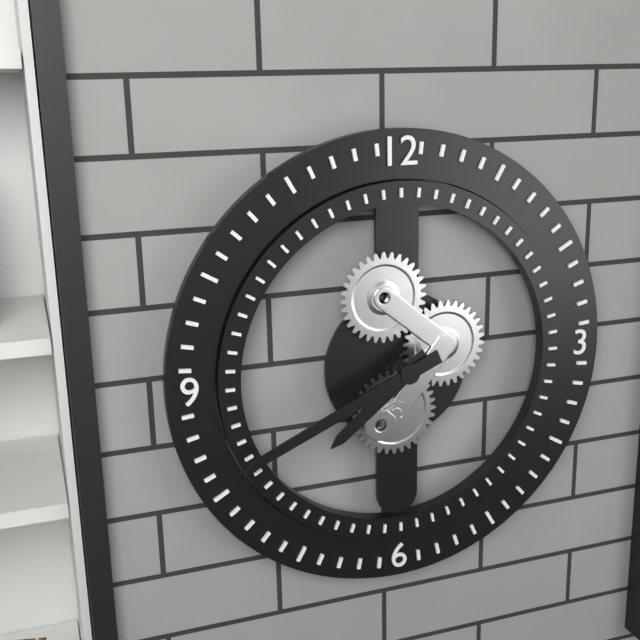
7.41
